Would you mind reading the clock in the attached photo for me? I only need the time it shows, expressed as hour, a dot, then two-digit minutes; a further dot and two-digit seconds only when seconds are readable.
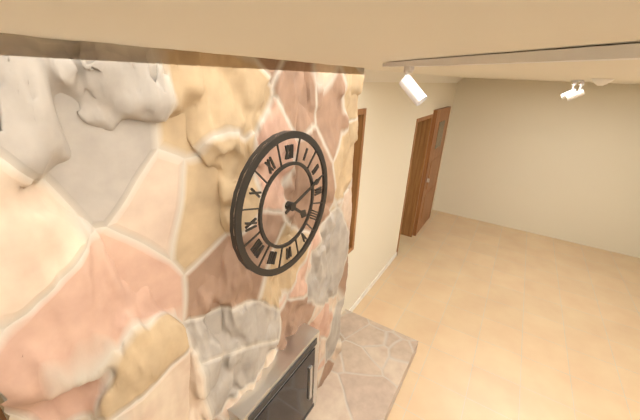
4.12
